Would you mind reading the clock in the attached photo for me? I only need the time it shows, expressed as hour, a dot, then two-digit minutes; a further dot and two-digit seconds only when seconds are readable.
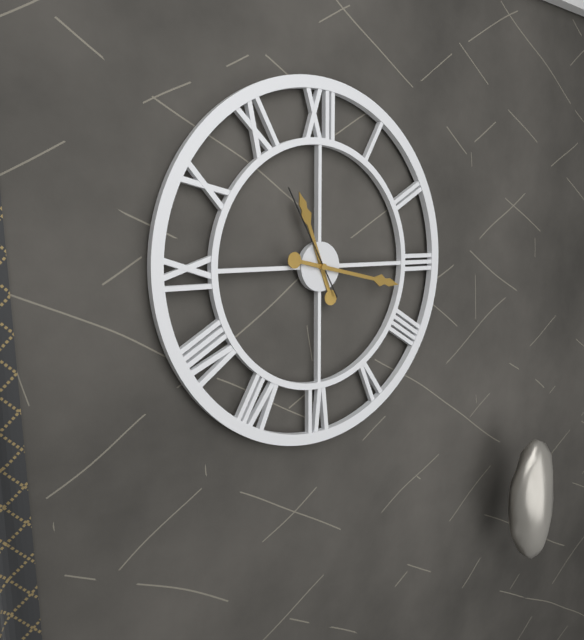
11.17.55
